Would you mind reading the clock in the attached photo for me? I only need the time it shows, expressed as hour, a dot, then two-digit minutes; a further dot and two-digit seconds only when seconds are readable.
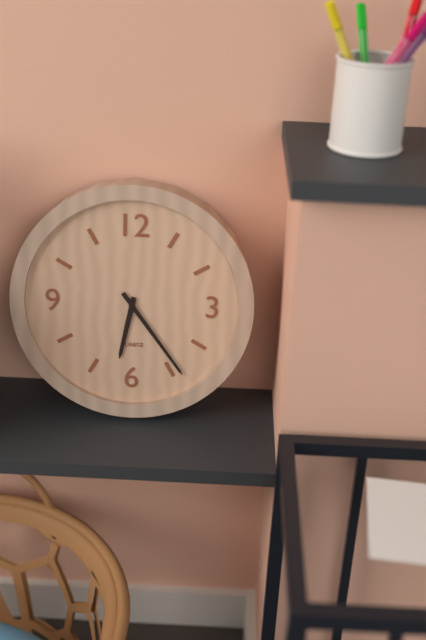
6.24
